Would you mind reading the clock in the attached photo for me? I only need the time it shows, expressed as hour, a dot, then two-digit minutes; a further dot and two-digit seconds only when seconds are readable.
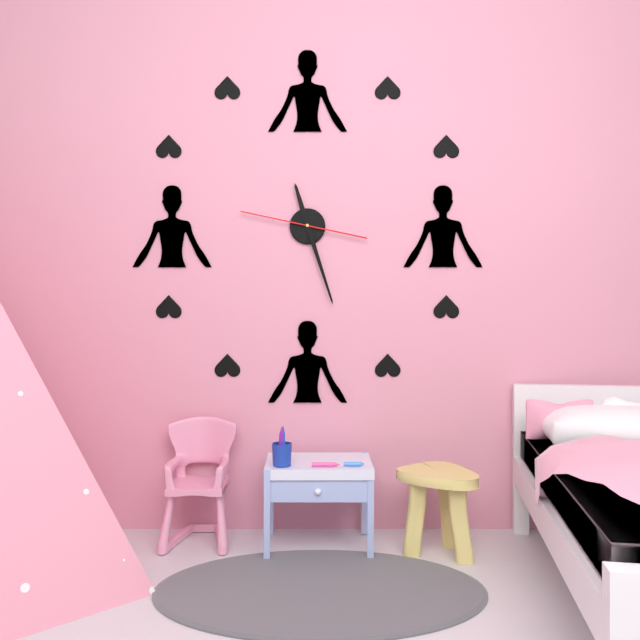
11.27.47
